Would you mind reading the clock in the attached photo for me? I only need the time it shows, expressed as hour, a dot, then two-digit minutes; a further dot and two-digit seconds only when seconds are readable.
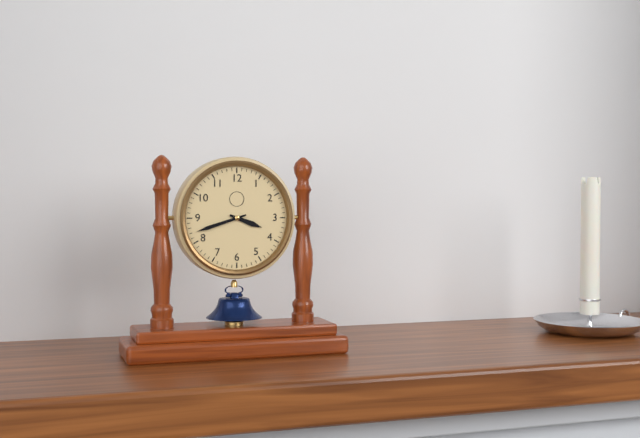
3.42
